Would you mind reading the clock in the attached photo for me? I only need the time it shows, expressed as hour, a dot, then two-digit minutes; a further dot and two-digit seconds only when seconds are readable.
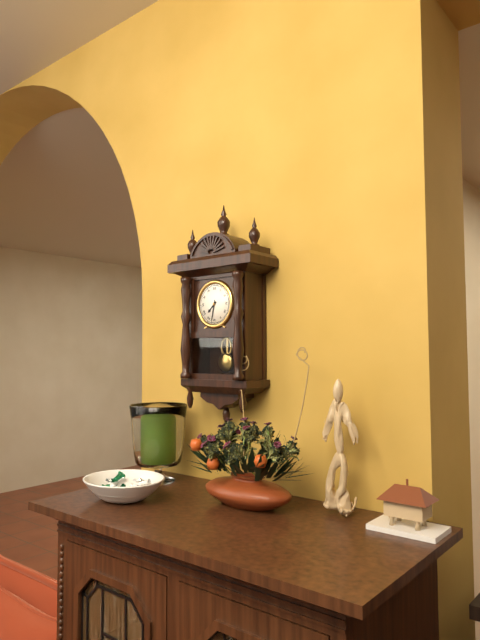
7.32
